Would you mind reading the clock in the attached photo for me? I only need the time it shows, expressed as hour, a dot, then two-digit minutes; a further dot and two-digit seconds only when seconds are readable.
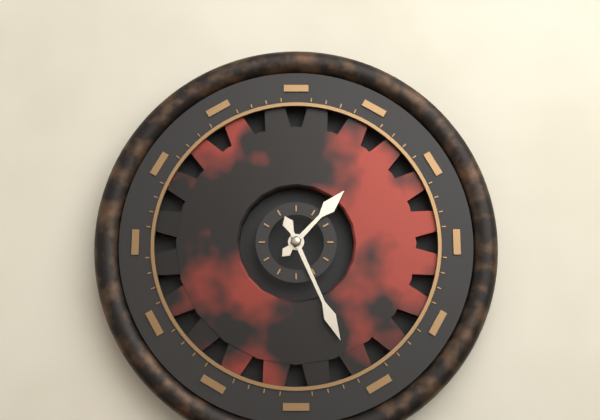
1.26
